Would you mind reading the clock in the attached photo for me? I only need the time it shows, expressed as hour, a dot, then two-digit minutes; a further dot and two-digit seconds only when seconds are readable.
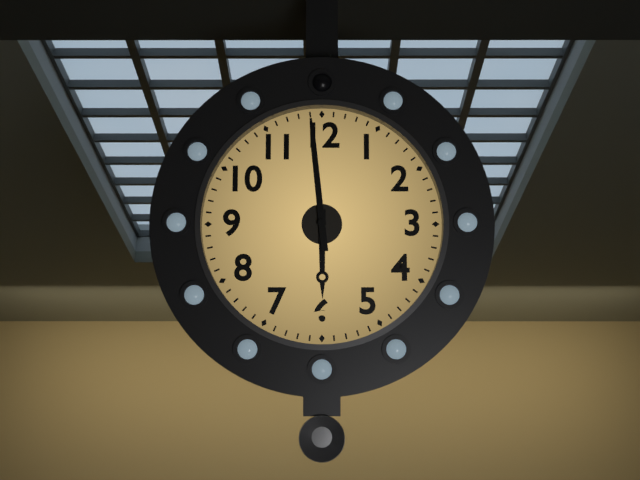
5.59
